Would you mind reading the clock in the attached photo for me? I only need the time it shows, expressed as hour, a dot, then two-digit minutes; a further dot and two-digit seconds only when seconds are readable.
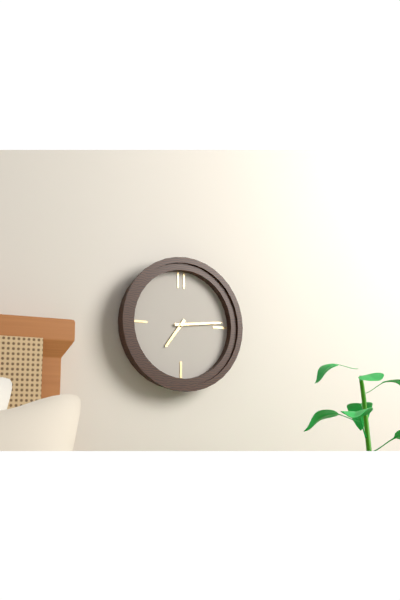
7.14
